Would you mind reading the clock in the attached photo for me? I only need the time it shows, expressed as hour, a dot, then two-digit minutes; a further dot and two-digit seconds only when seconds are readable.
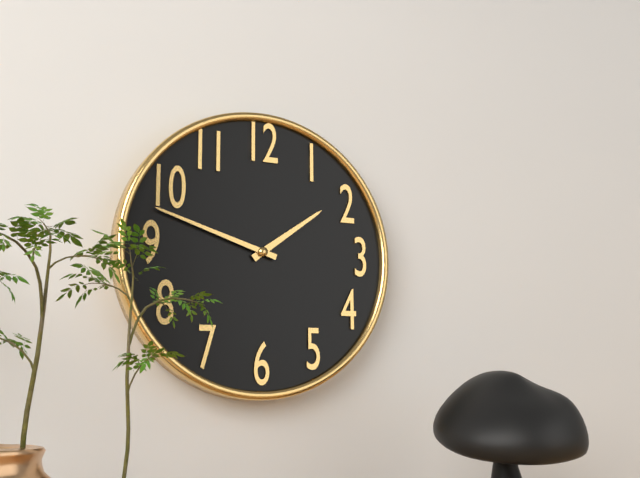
1.48
